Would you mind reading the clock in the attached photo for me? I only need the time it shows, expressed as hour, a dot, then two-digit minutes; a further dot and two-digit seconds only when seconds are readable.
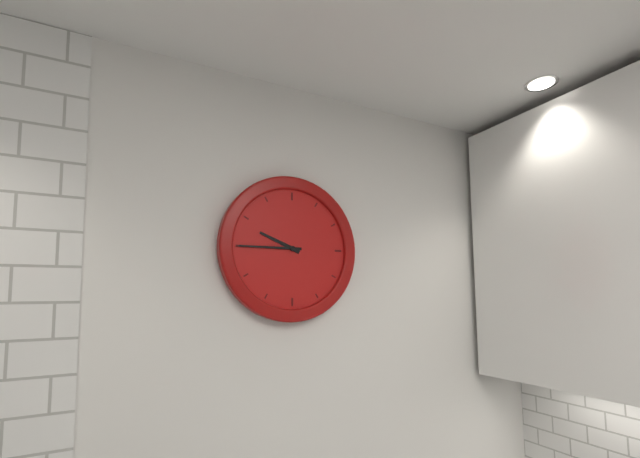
9.45
